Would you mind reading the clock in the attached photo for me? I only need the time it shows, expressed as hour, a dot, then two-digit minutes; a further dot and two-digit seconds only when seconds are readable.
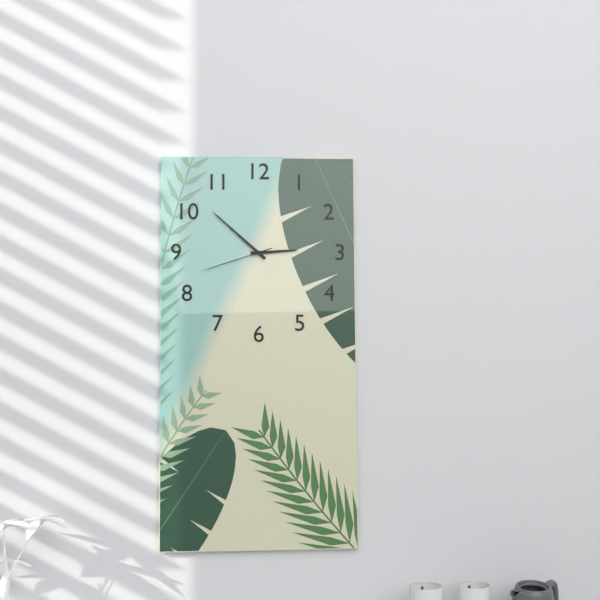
2.52.42
